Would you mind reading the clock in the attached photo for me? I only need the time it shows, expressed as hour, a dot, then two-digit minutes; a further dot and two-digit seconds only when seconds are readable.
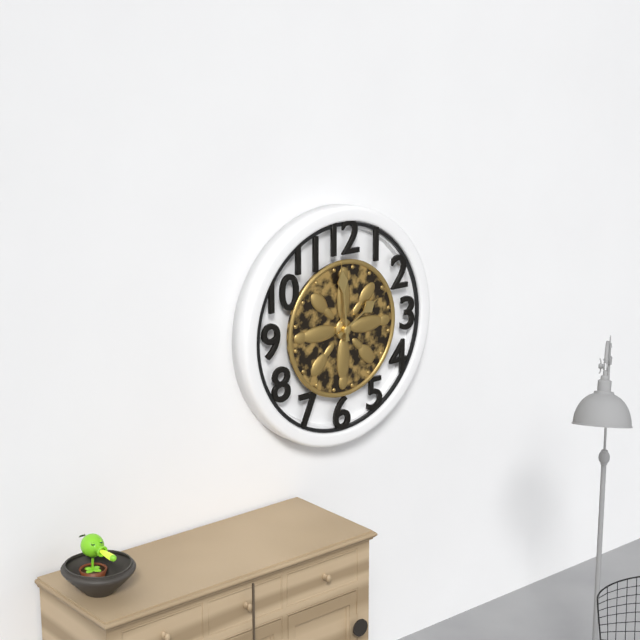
1.59
